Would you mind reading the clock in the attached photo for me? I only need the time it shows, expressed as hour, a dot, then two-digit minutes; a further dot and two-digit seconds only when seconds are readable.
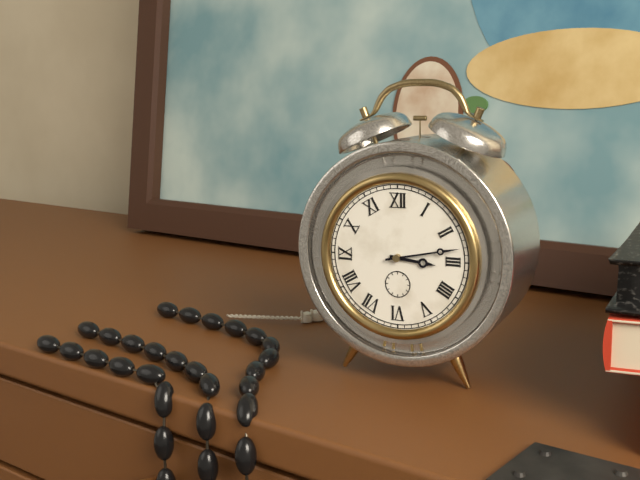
3.13
